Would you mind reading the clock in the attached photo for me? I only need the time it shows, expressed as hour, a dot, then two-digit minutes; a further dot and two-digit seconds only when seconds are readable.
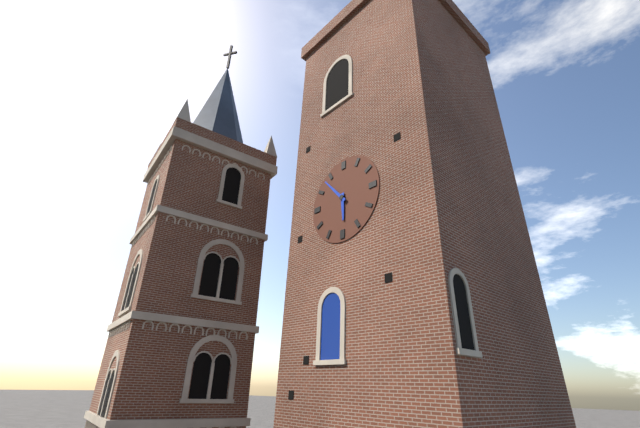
5.53
